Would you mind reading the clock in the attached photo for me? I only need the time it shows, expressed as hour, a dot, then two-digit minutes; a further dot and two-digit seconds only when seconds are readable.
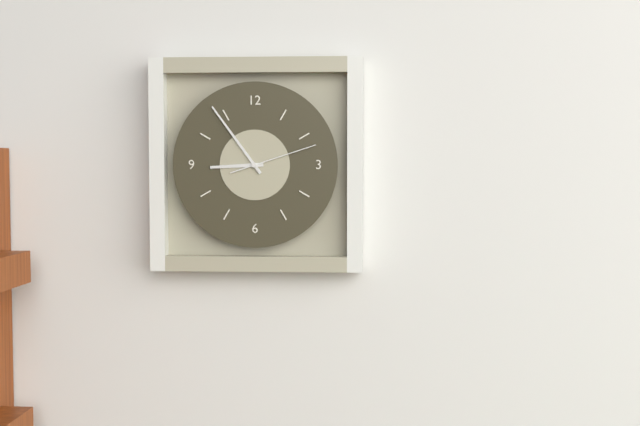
8.54.12
